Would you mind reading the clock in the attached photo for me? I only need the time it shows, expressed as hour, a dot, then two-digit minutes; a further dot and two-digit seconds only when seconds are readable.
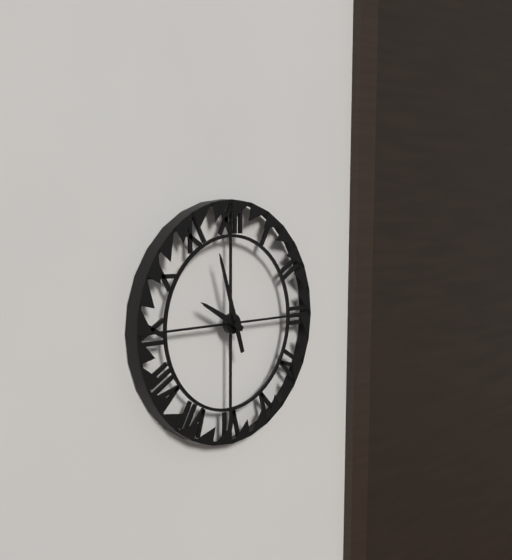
9.57
